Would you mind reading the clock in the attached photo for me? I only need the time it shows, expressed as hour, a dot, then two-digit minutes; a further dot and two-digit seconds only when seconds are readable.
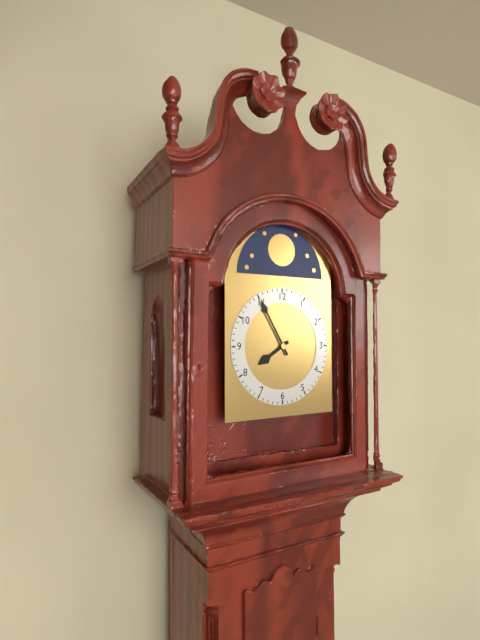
7.55
